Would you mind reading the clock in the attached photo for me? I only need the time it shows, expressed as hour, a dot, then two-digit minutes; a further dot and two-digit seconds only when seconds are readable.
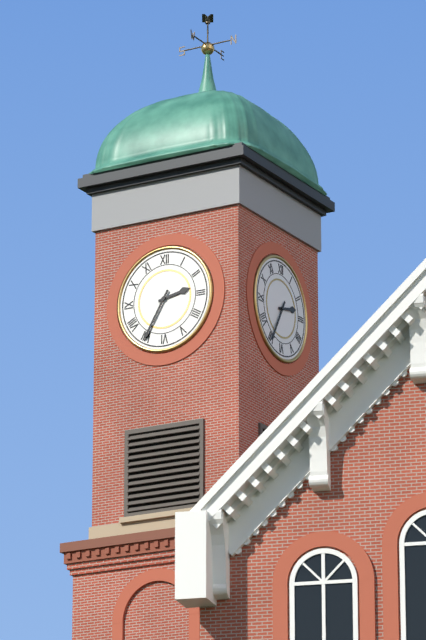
2.35
